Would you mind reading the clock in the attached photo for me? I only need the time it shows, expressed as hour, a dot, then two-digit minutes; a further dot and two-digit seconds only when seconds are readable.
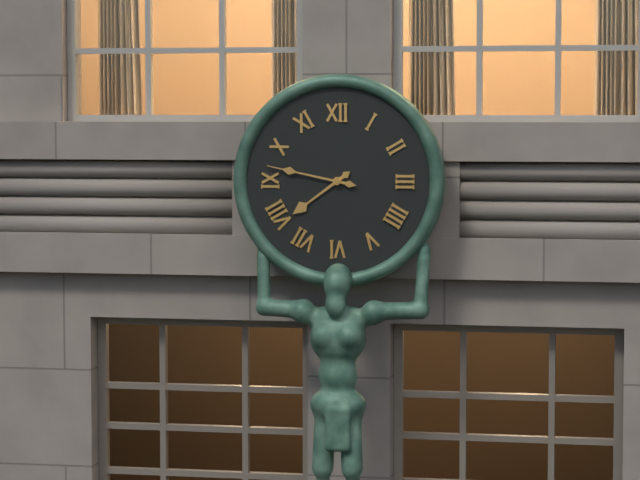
7.47
